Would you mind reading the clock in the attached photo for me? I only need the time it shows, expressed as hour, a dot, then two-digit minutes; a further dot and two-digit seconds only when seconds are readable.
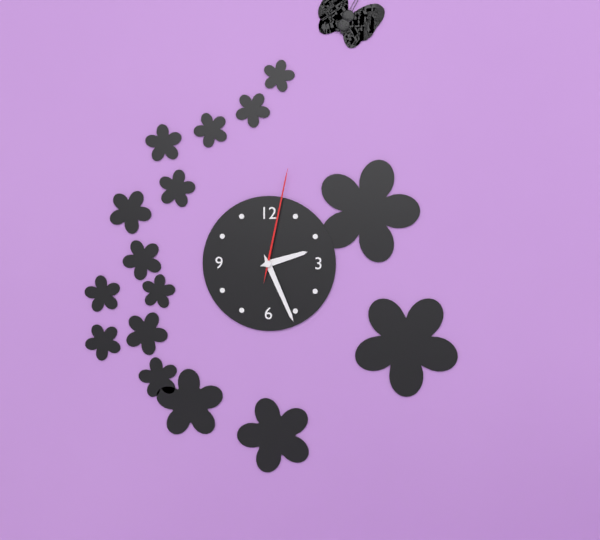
2.26.02
